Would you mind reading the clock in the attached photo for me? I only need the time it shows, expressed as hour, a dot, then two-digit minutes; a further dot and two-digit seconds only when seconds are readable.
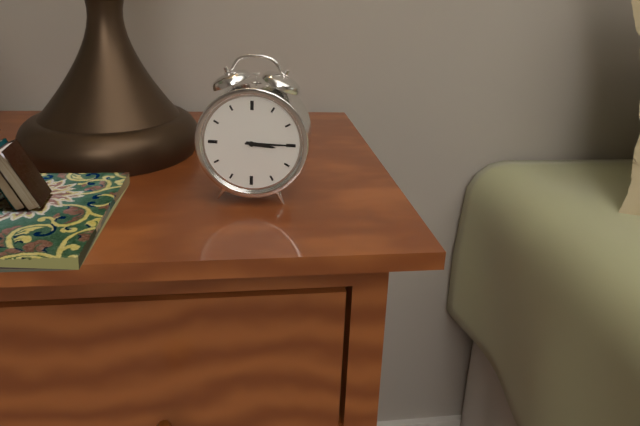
3.15
